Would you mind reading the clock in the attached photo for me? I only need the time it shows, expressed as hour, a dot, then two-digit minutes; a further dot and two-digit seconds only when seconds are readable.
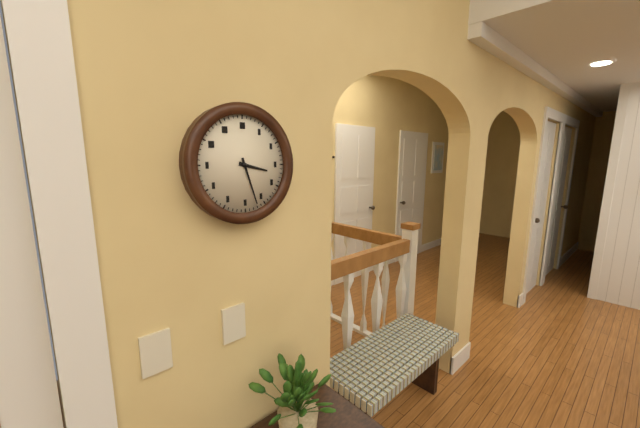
3.27
